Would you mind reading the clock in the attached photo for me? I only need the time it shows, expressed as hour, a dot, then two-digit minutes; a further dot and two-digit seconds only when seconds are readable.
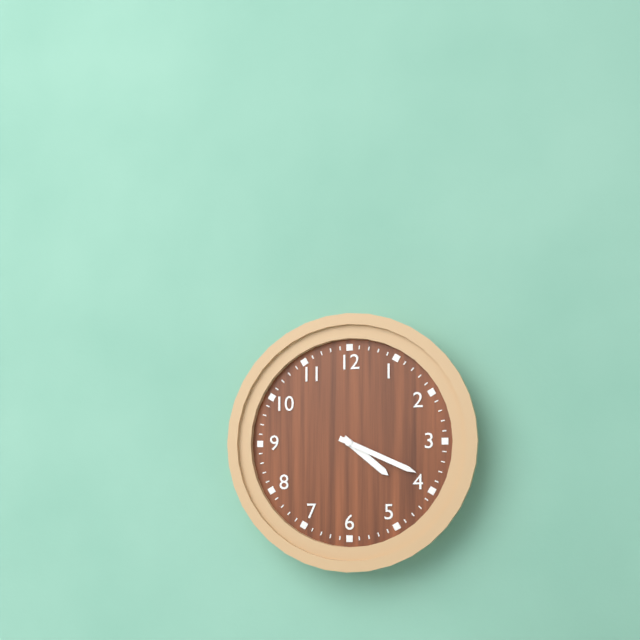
4.19
